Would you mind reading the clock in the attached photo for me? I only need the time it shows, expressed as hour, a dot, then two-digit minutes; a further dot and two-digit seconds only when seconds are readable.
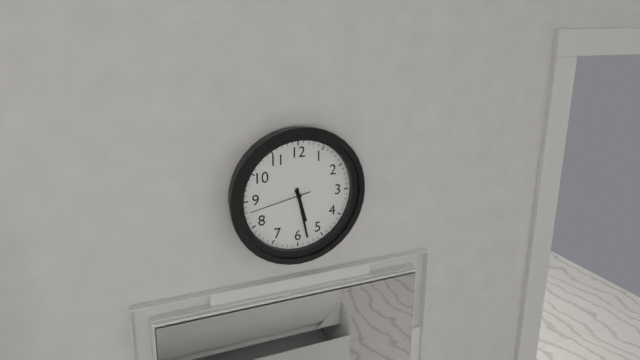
5.28.43
